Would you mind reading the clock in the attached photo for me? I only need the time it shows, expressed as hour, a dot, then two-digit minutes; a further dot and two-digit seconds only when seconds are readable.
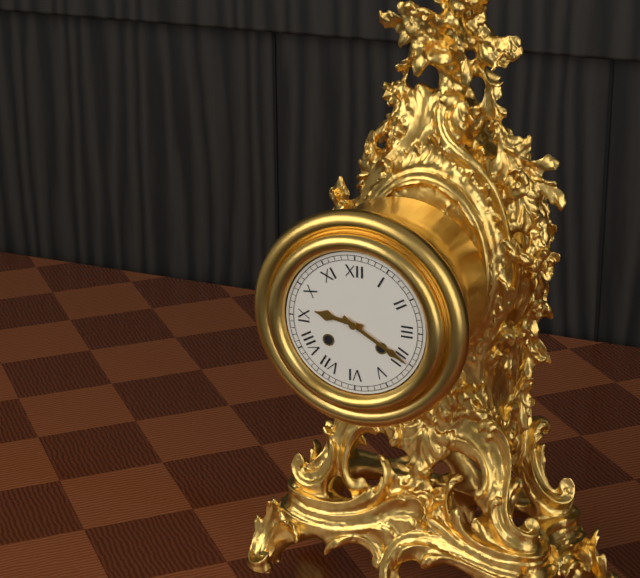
9.20
